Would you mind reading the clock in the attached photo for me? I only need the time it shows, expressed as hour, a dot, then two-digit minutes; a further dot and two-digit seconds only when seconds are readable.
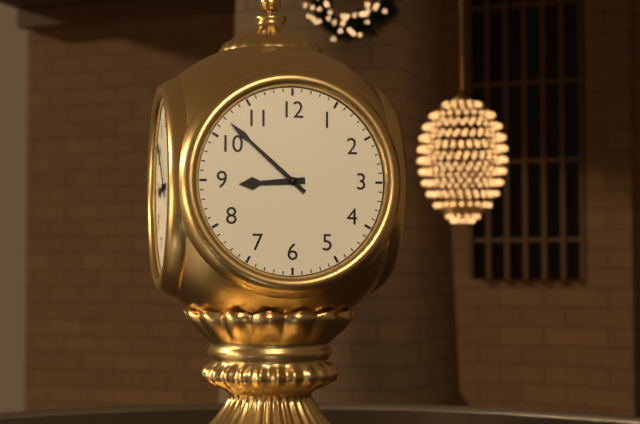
8.52
